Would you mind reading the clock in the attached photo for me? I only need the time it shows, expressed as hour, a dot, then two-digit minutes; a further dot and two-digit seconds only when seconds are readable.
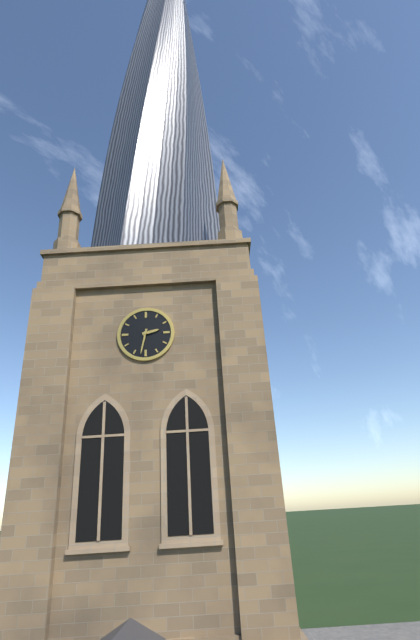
2.32
